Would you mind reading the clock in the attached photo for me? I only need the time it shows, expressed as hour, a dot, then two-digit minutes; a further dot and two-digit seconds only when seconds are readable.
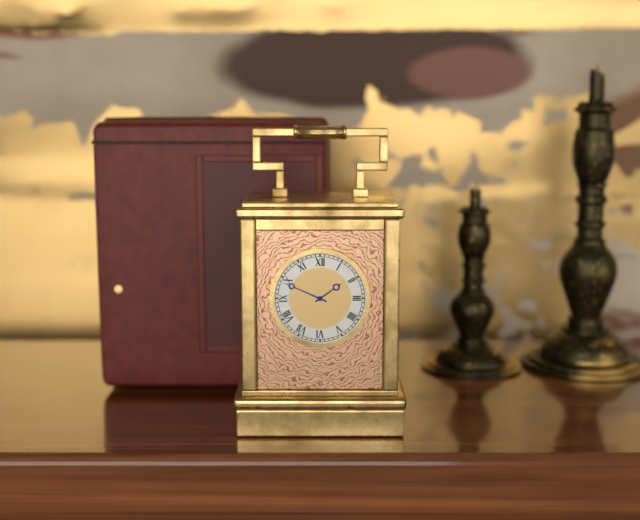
1.49
